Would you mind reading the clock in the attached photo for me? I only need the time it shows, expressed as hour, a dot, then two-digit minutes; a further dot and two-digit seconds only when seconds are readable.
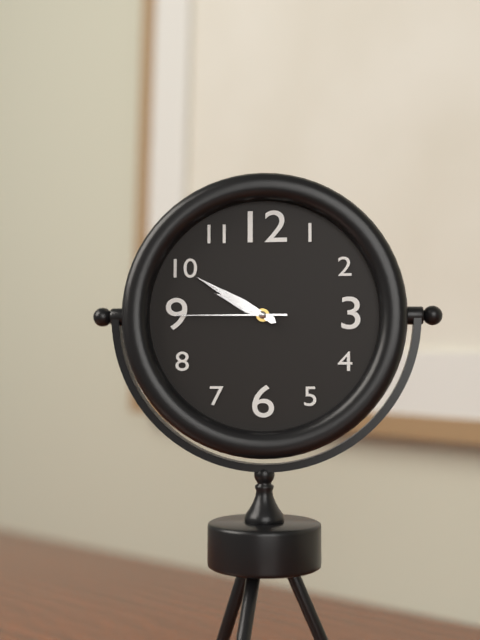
9.50.45
